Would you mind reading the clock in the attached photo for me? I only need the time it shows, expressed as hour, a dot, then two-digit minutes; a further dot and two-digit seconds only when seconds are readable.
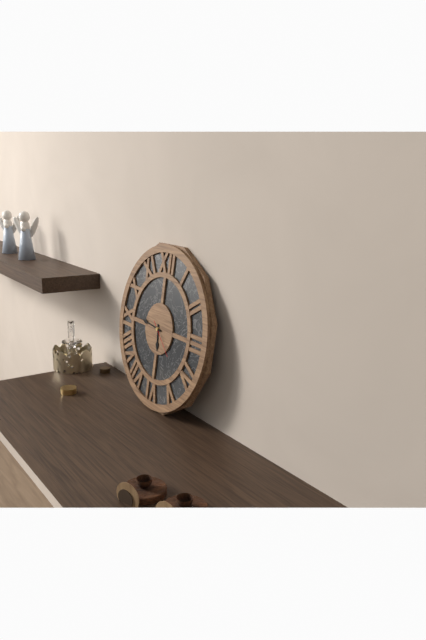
5.46
